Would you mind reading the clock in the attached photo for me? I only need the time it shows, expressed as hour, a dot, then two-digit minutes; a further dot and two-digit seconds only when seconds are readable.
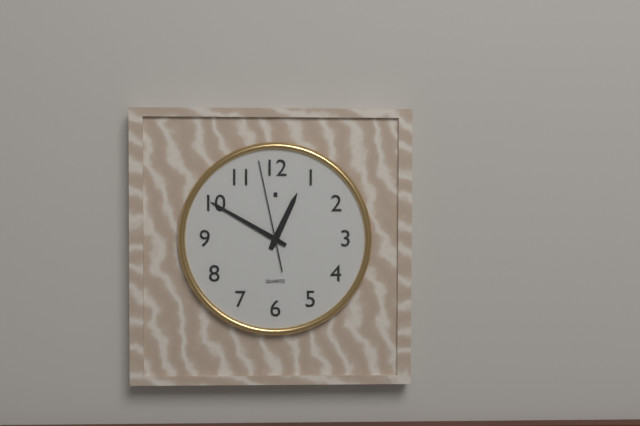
12.50.58
